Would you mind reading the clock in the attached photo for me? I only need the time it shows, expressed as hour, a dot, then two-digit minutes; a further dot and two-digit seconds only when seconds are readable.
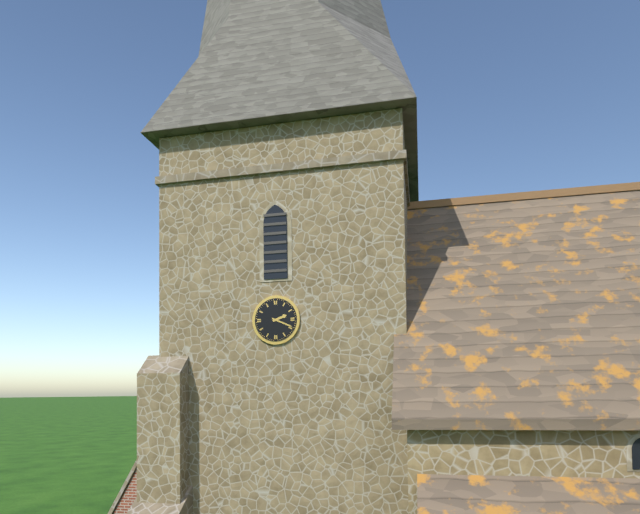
2.19
